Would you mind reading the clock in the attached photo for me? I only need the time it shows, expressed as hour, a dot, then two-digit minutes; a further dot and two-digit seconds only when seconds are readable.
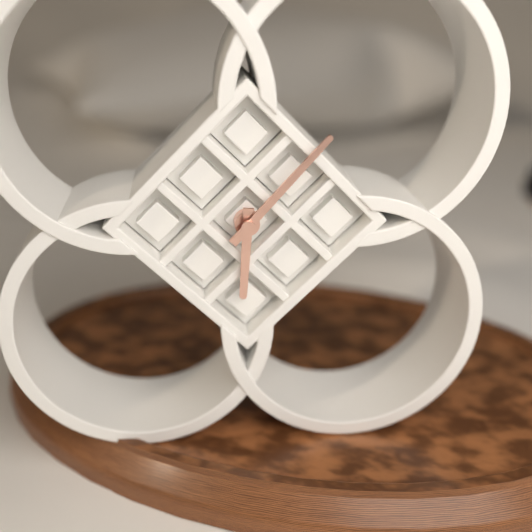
6.07
